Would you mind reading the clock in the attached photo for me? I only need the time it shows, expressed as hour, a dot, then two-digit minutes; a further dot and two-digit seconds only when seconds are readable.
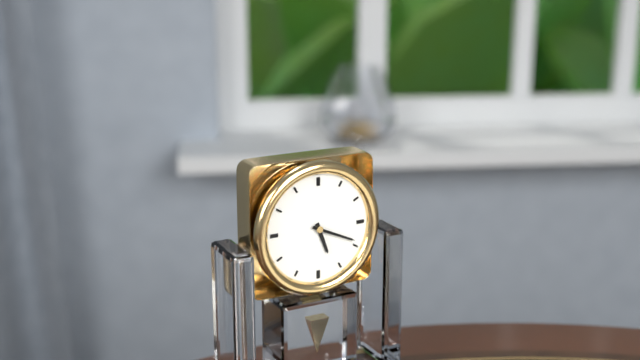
5.19
